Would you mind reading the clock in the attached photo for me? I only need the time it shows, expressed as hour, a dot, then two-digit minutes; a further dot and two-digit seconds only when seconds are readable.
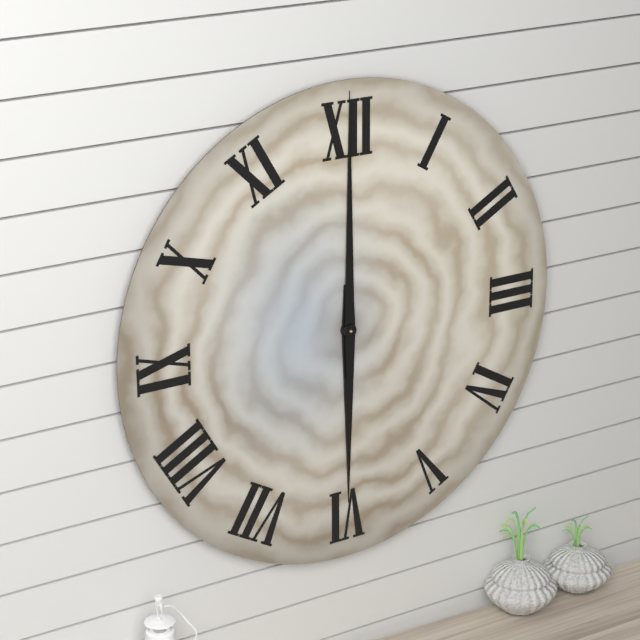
6.00
